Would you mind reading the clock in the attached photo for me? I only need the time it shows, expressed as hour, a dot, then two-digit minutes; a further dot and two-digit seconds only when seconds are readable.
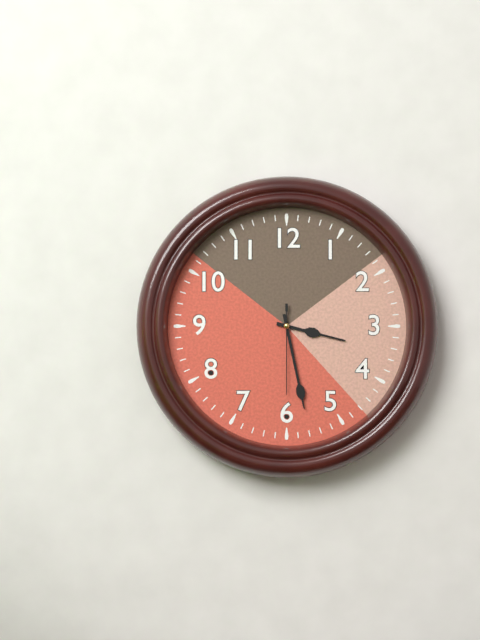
3.28.30
